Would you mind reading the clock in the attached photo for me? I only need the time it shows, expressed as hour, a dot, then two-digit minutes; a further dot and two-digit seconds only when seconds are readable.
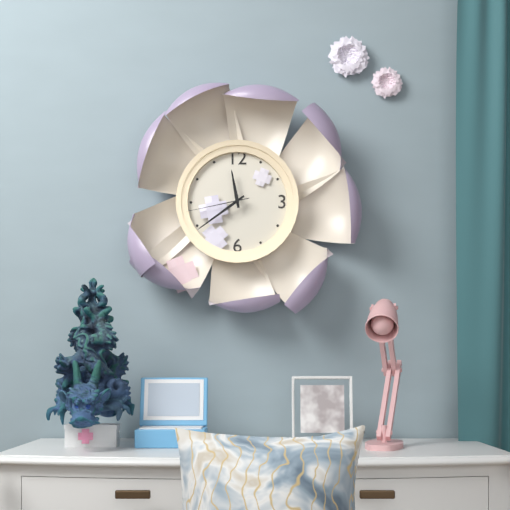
11.39.43
